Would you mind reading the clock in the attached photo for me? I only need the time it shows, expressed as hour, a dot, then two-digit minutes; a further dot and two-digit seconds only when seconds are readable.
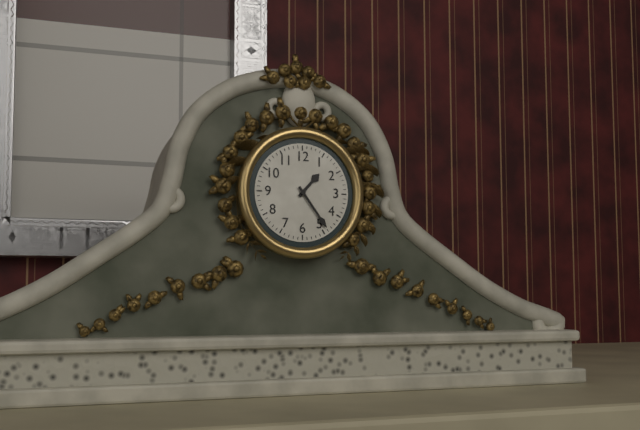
1.24
